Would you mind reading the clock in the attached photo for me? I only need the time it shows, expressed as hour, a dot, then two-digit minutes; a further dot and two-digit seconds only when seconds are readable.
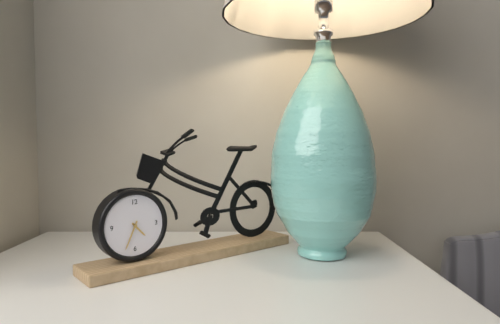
4.34
